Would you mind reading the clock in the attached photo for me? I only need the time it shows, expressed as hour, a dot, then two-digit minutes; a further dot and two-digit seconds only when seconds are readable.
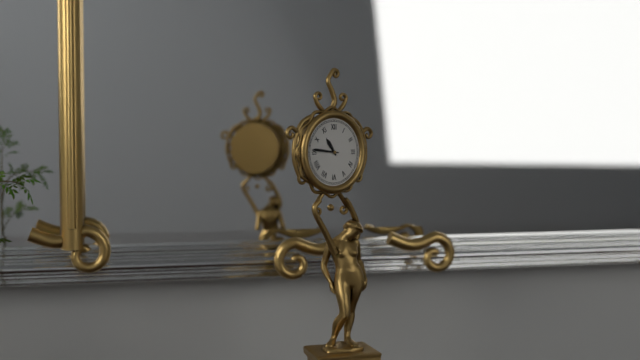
10.46
